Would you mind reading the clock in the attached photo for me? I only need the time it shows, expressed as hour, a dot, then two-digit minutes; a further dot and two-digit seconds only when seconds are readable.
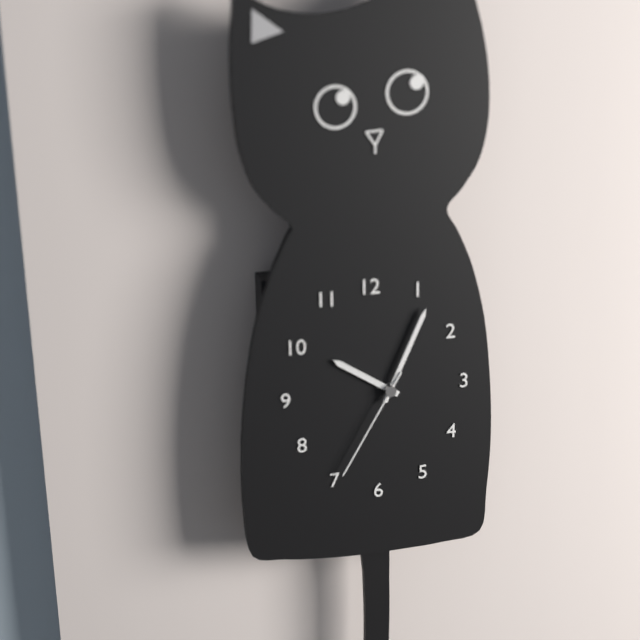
10.04.35
